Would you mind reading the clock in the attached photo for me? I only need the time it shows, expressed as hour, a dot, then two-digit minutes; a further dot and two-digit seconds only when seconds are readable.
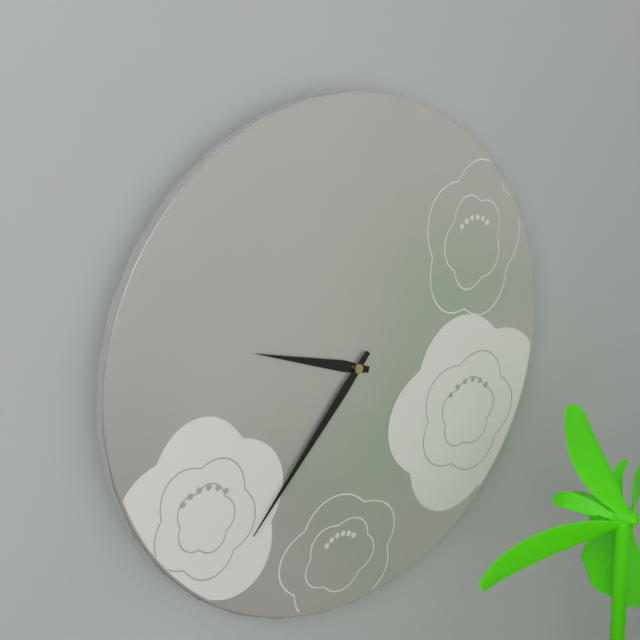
9.37
